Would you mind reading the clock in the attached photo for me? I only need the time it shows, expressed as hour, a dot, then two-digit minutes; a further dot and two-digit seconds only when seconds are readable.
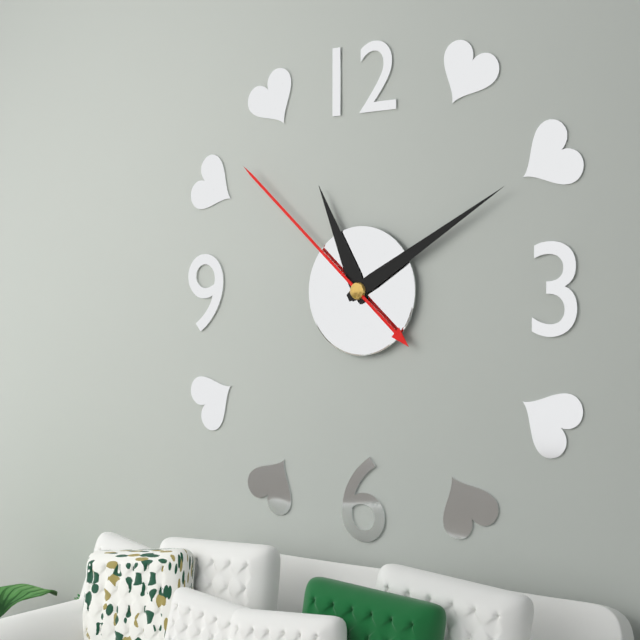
11.10.52
